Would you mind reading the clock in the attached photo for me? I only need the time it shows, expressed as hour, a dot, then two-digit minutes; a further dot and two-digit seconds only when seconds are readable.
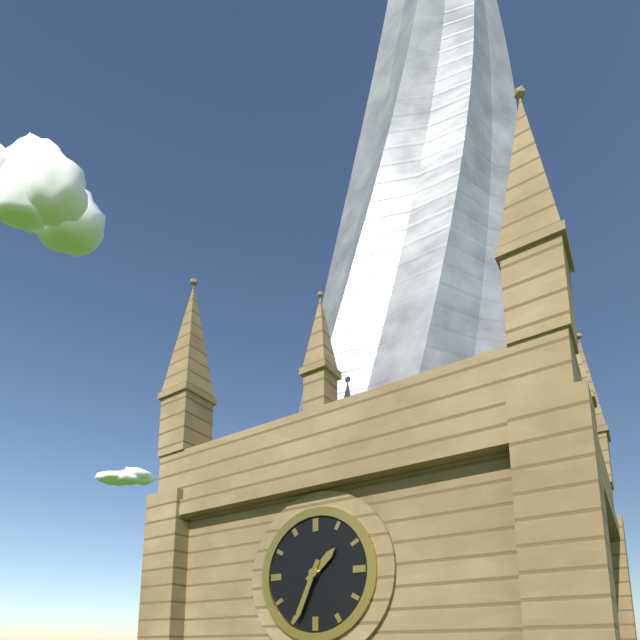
1.34
